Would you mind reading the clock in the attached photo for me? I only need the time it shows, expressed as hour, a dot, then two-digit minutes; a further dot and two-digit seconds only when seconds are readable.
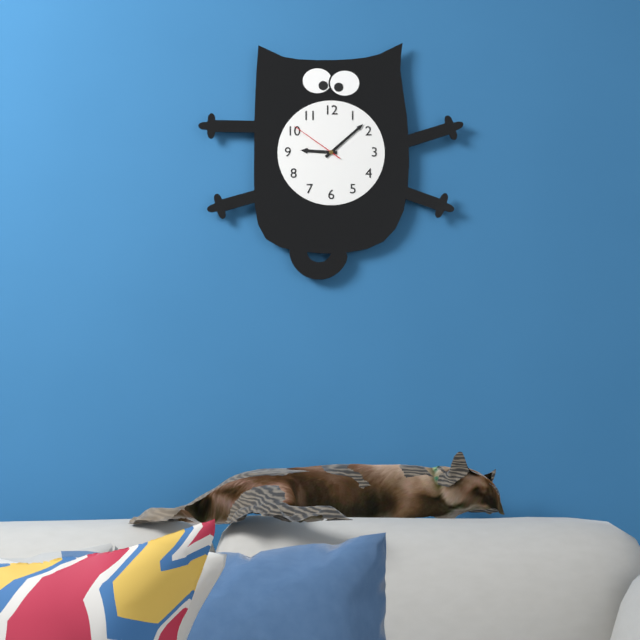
9.08.51
